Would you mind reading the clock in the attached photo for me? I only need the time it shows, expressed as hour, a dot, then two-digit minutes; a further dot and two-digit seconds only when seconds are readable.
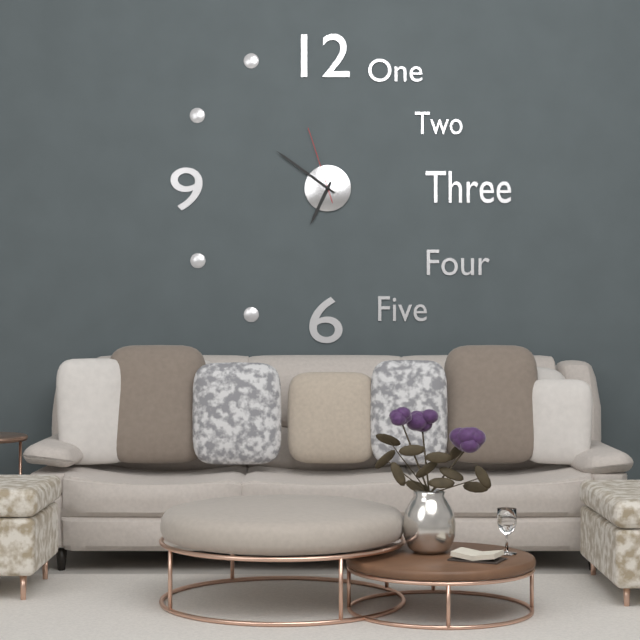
6.51.57
